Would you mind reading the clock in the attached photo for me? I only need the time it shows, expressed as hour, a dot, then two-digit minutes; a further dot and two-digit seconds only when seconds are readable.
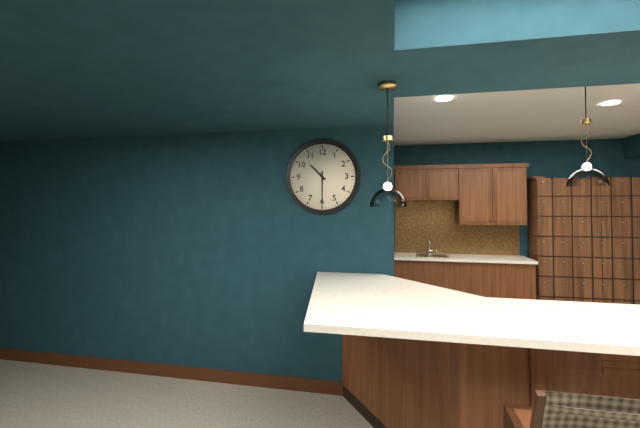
10.30
